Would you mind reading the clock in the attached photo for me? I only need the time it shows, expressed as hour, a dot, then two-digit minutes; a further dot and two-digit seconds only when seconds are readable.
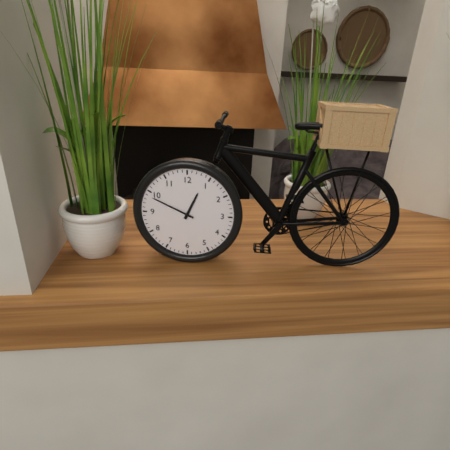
12.49
